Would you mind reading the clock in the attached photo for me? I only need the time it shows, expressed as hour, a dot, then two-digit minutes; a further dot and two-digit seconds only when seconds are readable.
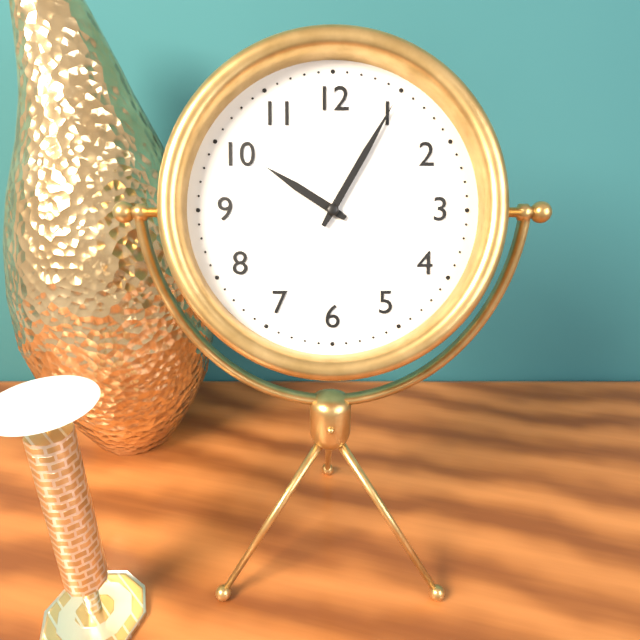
10.05
